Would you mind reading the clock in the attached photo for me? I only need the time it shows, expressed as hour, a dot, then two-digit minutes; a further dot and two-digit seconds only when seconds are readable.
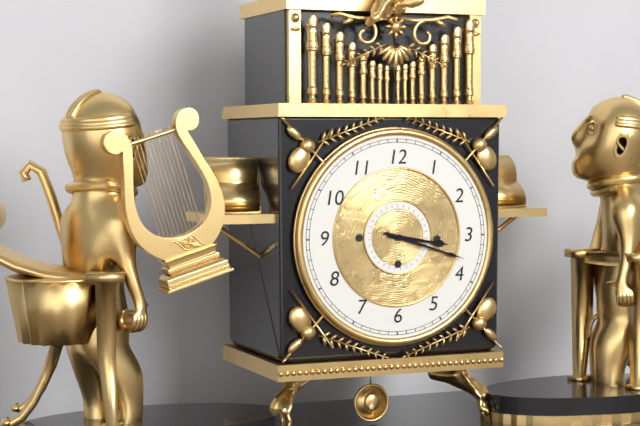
3.18
